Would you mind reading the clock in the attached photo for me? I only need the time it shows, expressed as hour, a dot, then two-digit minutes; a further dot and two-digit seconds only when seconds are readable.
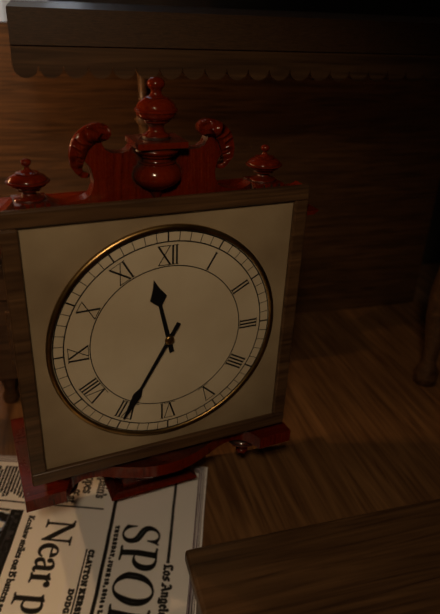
11.35
